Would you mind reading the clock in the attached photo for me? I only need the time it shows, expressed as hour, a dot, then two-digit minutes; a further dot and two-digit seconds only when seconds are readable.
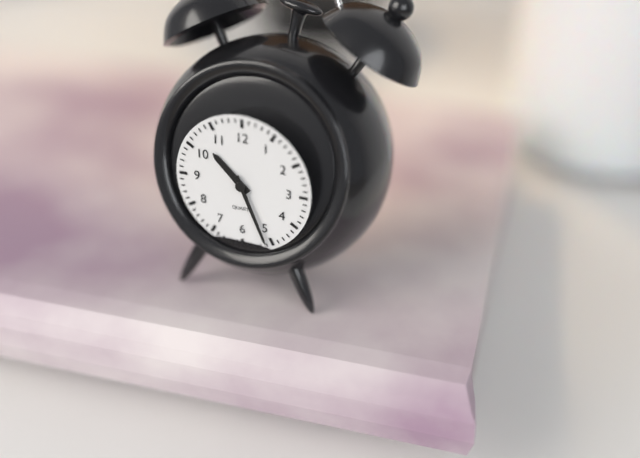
10.26
